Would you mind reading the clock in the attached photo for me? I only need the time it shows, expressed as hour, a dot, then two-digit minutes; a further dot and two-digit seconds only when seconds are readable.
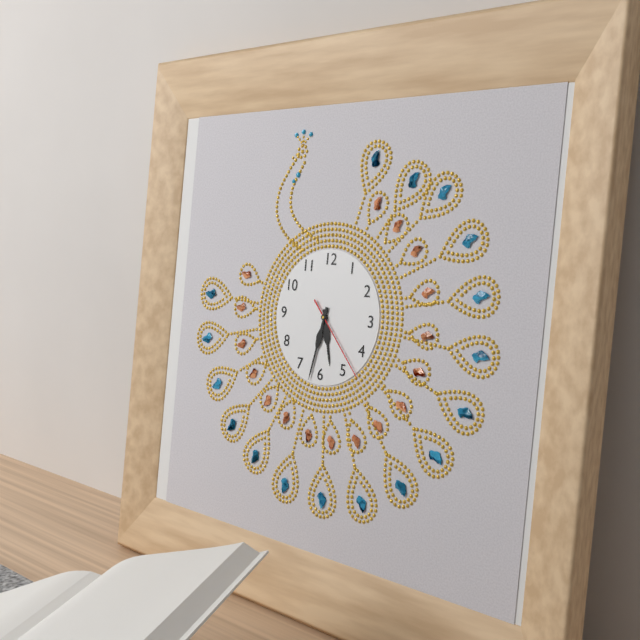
5.32.23
